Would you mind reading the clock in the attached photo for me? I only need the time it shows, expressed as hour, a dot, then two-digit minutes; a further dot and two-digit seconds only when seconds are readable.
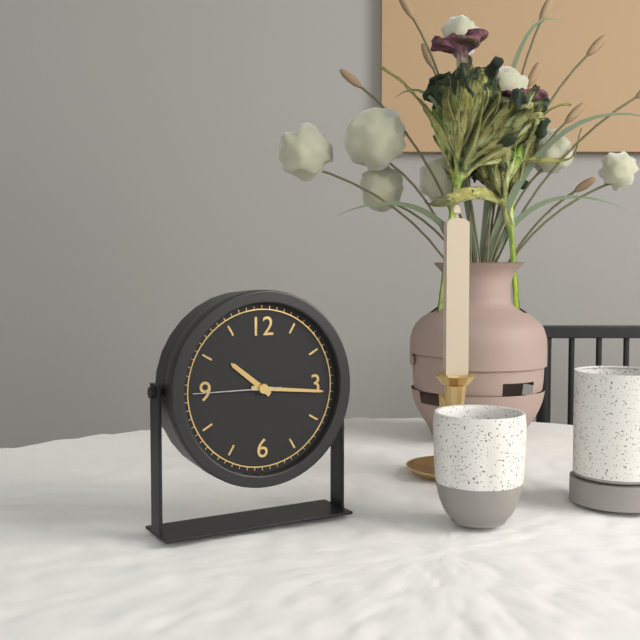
10.16.45
